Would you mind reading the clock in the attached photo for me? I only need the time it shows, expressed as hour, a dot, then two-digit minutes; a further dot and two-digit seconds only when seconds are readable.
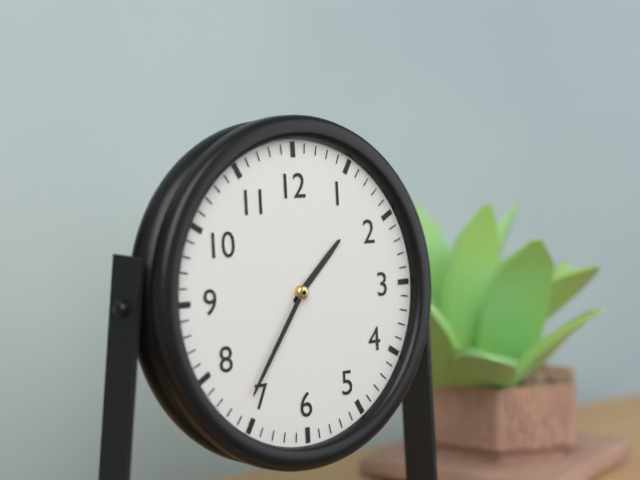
1.36
